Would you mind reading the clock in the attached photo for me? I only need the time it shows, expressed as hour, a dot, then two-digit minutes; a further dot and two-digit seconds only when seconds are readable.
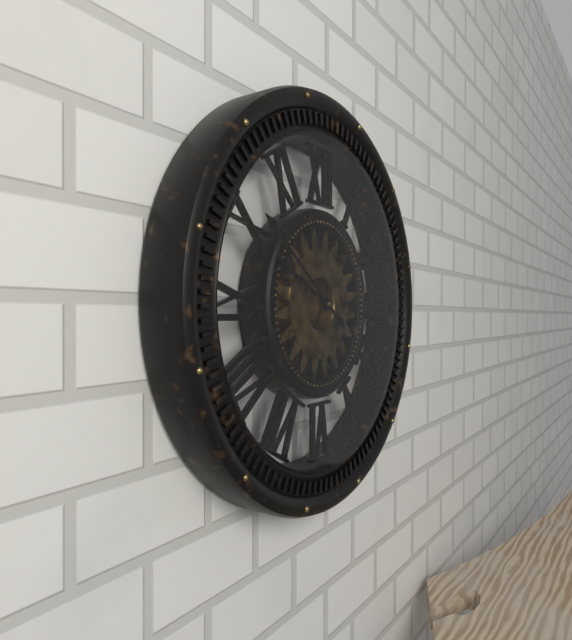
9.51
